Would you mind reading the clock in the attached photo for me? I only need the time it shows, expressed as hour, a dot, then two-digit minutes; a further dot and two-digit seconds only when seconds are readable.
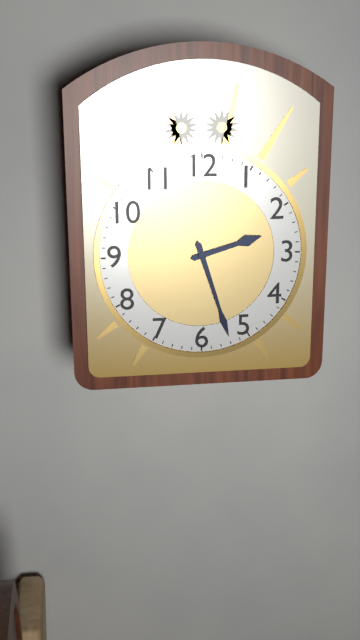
2.27
